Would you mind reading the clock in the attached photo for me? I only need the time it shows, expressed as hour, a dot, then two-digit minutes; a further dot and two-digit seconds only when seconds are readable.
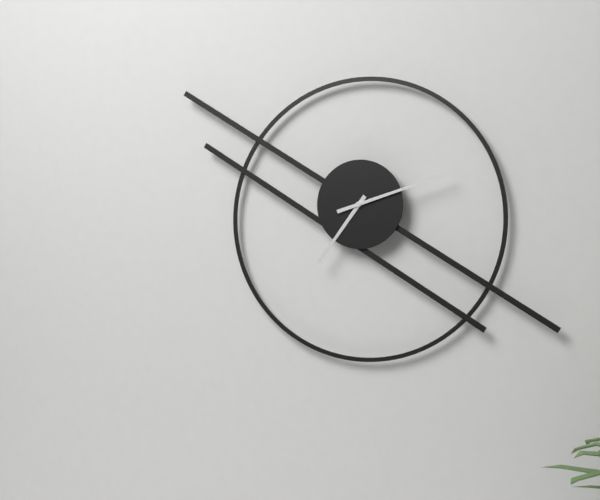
7.12
